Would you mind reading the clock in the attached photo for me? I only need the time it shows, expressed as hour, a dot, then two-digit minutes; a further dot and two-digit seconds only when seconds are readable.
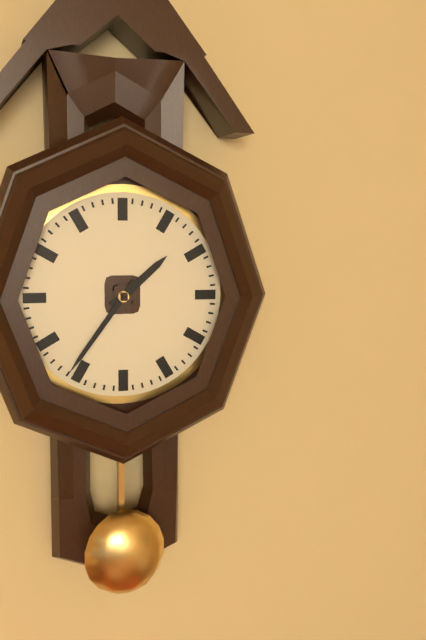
1.36
